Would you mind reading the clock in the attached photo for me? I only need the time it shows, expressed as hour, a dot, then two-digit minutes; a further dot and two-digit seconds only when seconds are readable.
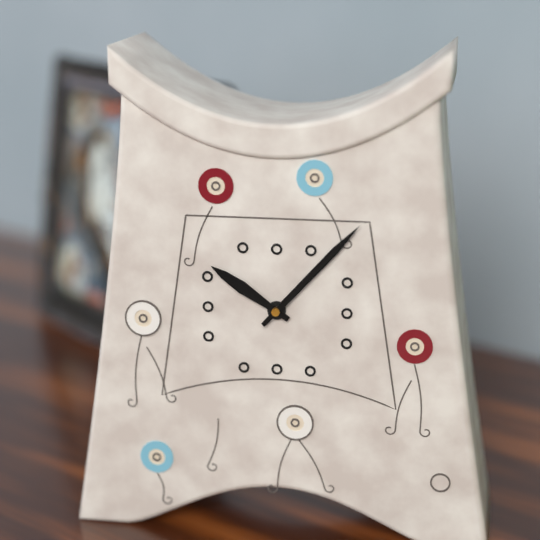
10.07
